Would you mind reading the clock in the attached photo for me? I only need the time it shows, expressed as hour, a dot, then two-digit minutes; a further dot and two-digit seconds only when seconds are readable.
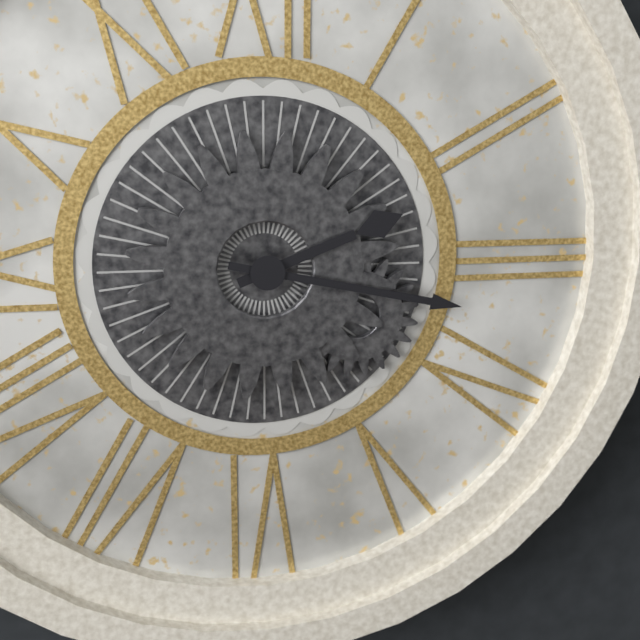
2.17
